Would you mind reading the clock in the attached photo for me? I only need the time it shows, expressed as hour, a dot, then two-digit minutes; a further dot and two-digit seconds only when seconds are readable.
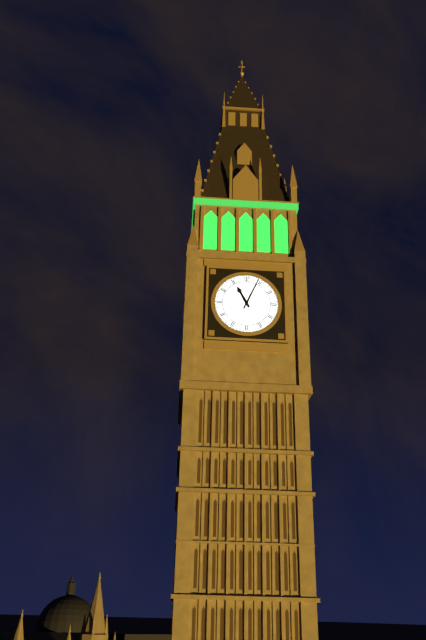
11.04
